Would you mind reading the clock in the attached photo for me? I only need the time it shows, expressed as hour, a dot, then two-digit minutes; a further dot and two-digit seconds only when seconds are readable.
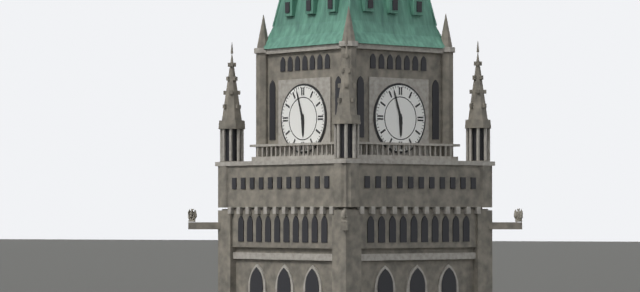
5.57
